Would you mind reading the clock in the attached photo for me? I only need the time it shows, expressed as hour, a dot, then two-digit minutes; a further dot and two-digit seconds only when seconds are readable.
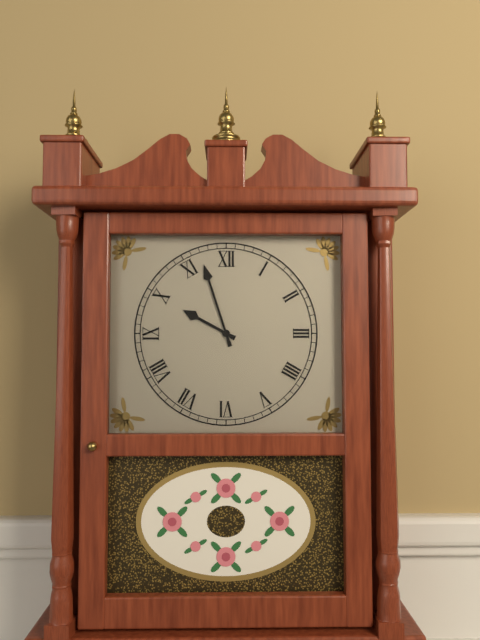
9.57
